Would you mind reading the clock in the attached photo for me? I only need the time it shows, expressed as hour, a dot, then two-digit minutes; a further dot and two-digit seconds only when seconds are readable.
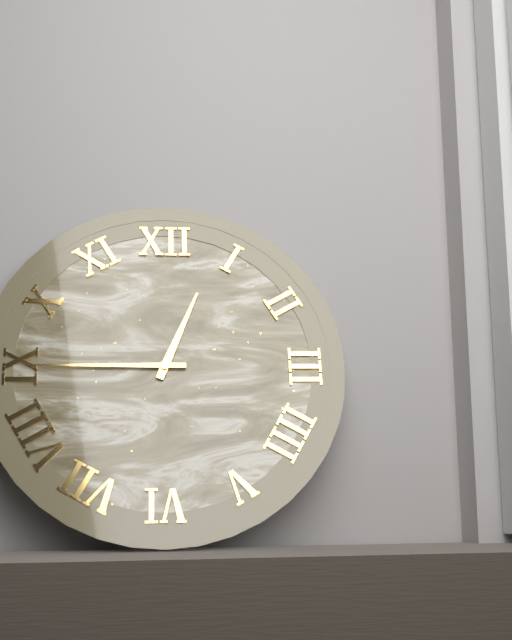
12.45
